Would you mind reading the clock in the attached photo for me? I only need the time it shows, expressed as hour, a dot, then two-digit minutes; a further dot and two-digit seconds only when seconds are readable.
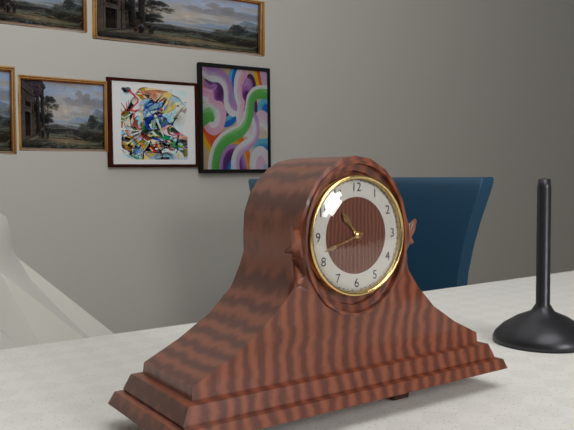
10.42
